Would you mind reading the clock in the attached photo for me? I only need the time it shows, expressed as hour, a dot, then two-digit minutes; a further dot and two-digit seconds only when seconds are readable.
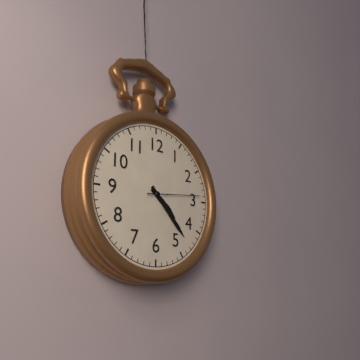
4.23.14
